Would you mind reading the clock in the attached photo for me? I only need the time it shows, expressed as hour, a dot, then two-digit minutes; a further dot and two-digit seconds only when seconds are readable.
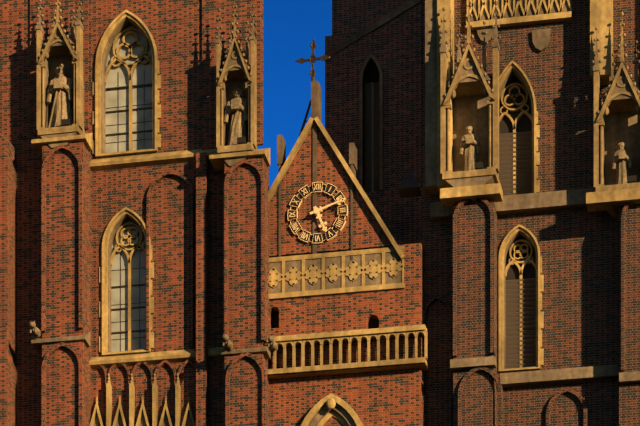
5.12
